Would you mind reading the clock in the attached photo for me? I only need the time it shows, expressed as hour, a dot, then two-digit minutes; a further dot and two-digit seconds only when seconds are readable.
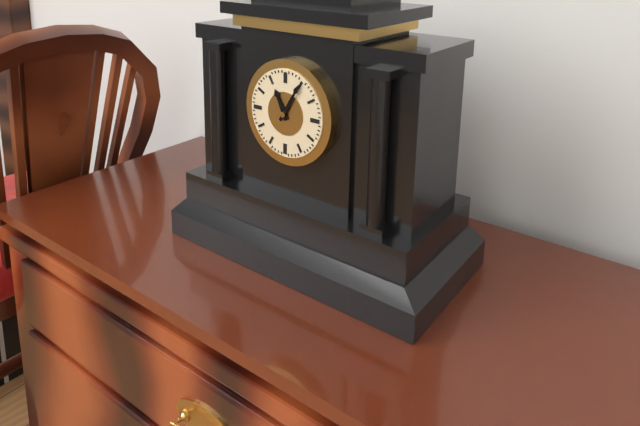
11.05
